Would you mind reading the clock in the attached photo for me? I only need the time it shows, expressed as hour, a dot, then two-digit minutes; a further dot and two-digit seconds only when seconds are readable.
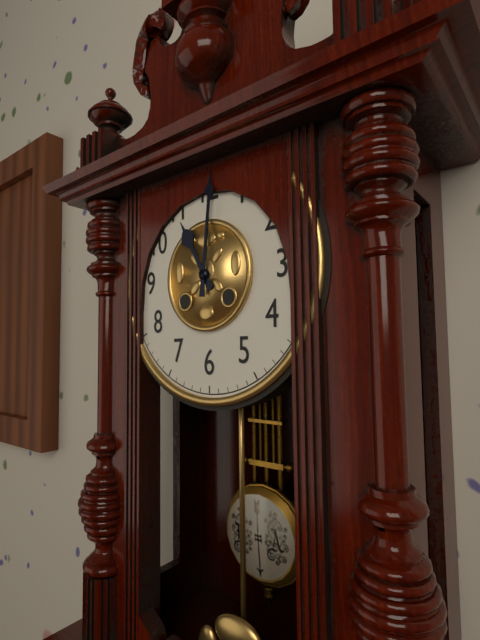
11.01
